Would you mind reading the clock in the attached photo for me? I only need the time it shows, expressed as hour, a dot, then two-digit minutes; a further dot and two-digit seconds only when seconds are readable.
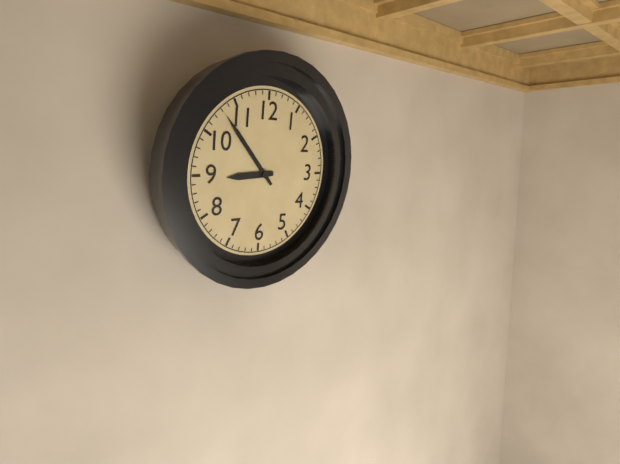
8.53
